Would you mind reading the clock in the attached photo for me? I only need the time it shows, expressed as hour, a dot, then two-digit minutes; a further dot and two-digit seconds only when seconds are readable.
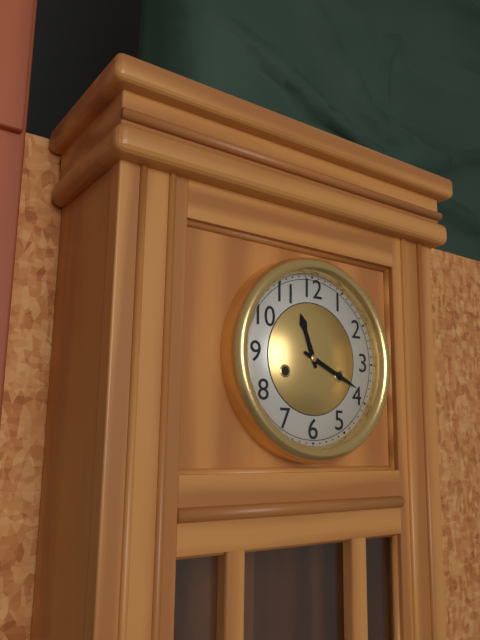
11.19
